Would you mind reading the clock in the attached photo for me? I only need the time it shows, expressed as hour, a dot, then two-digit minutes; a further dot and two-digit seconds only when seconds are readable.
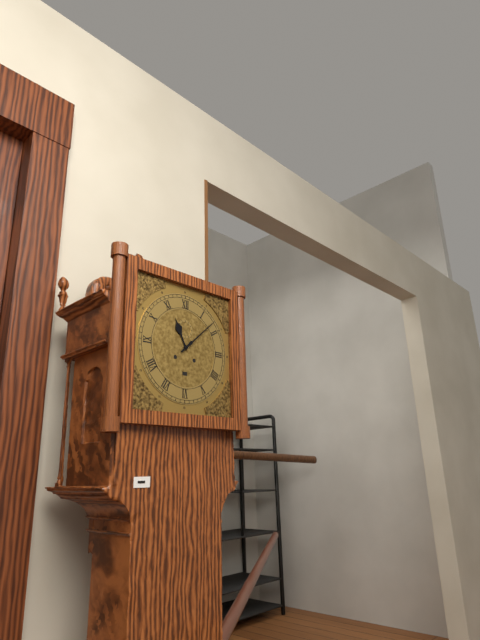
11.08
